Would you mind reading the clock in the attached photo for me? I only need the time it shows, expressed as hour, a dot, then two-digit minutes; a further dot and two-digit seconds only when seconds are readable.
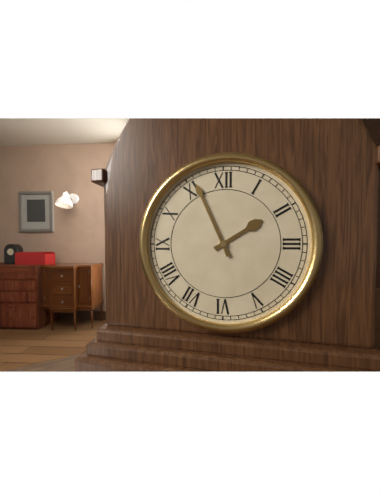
1.56
